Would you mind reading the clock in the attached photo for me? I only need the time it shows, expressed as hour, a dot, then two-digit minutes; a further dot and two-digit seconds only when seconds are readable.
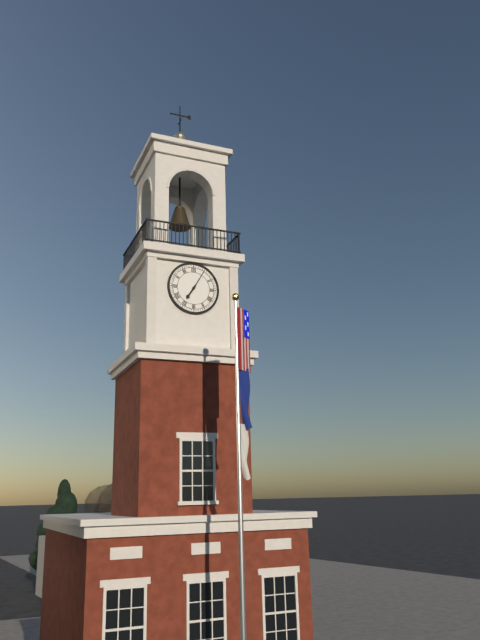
7.05
